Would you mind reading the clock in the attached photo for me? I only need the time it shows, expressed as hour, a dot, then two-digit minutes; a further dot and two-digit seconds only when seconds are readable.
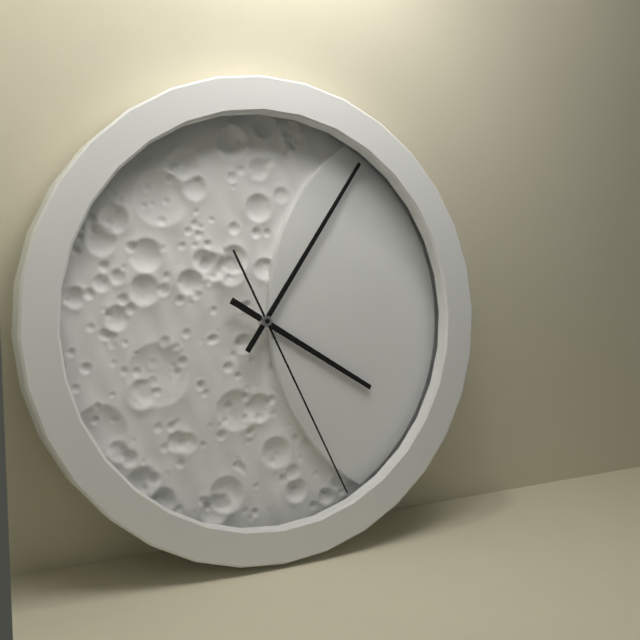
4.06.26
